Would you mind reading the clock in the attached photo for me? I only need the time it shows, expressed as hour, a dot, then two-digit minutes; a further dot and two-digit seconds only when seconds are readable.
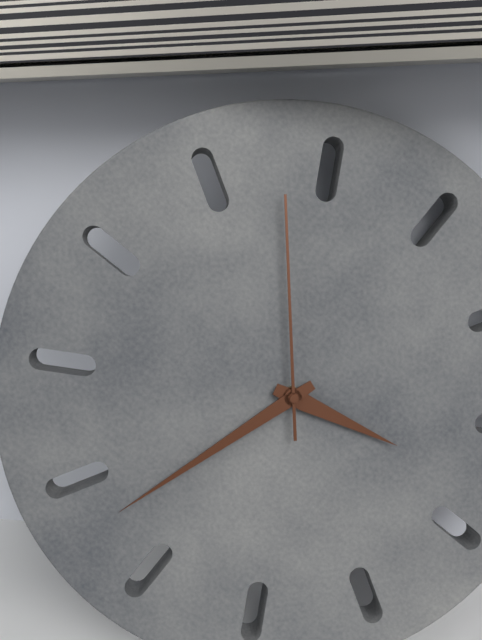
2.33.53
